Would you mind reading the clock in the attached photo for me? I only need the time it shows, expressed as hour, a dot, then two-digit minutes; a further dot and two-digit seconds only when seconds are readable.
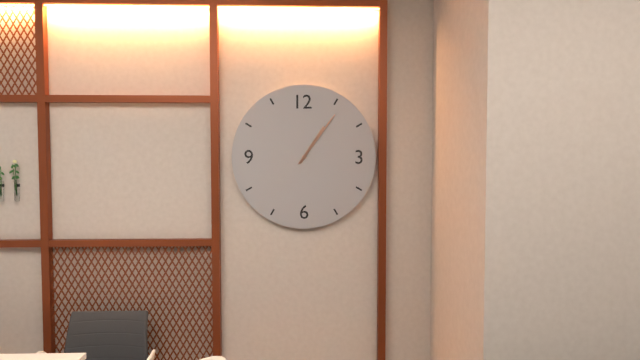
1.06
